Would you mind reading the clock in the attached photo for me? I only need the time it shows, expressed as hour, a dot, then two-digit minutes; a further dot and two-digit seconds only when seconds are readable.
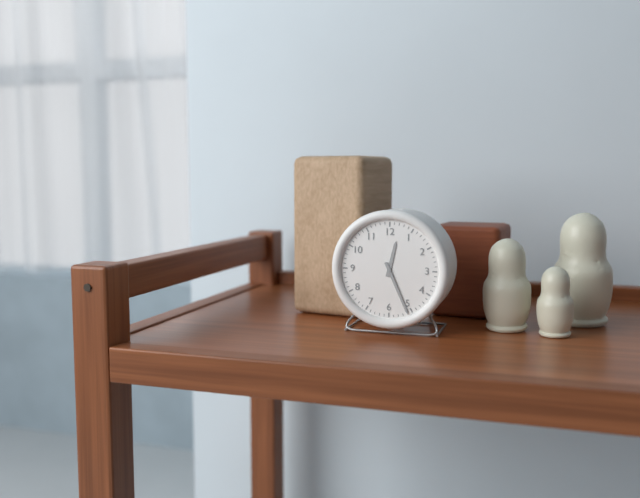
12.26
